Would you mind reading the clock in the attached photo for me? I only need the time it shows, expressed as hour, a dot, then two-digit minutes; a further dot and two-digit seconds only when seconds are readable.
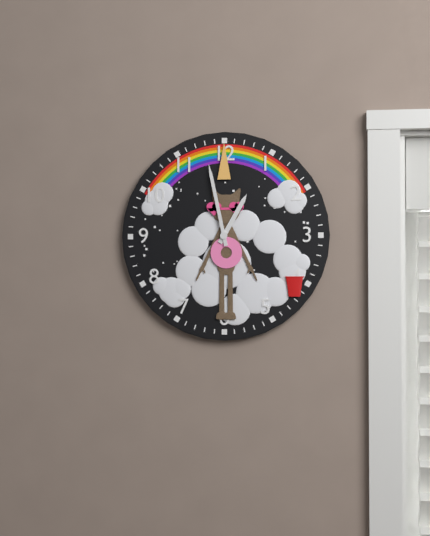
12.58
